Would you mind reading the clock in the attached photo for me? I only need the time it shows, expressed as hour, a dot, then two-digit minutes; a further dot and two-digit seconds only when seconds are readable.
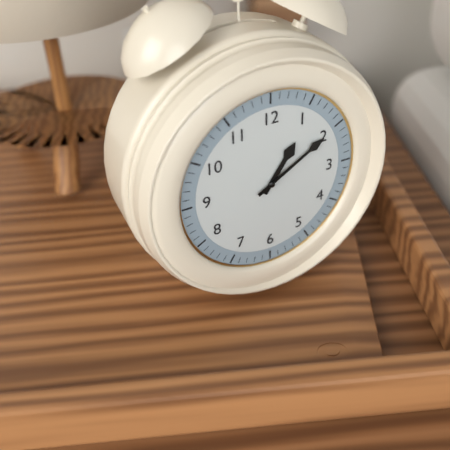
1.10
